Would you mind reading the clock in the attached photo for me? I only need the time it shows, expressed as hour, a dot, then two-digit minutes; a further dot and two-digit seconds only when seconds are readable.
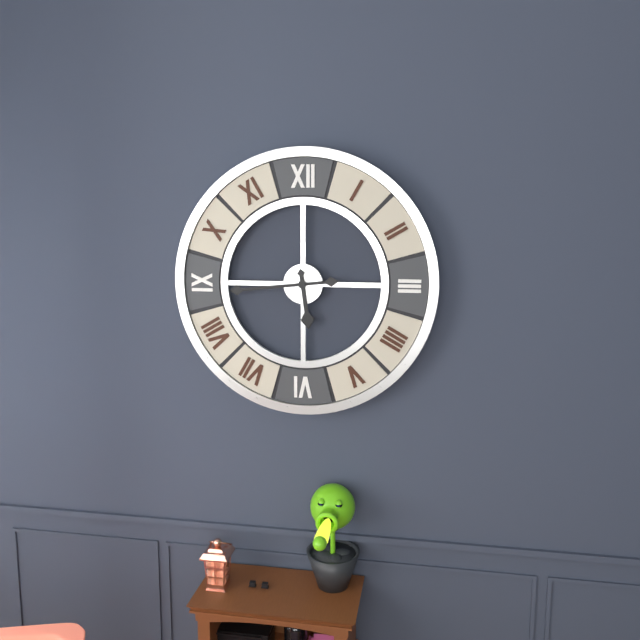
5.44
